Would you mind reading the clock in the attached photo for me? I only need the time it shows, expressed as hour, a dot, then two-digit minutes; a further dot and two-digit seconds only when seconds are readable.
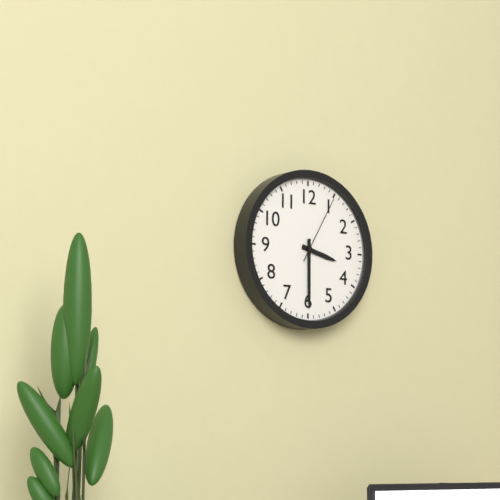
3.30.05
